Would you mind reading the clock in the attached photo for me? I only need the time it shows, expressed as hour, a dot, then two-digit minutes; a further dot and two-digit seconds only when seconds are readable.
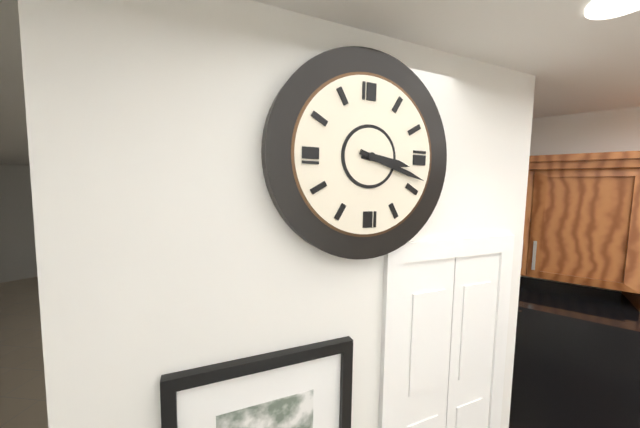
3.18
